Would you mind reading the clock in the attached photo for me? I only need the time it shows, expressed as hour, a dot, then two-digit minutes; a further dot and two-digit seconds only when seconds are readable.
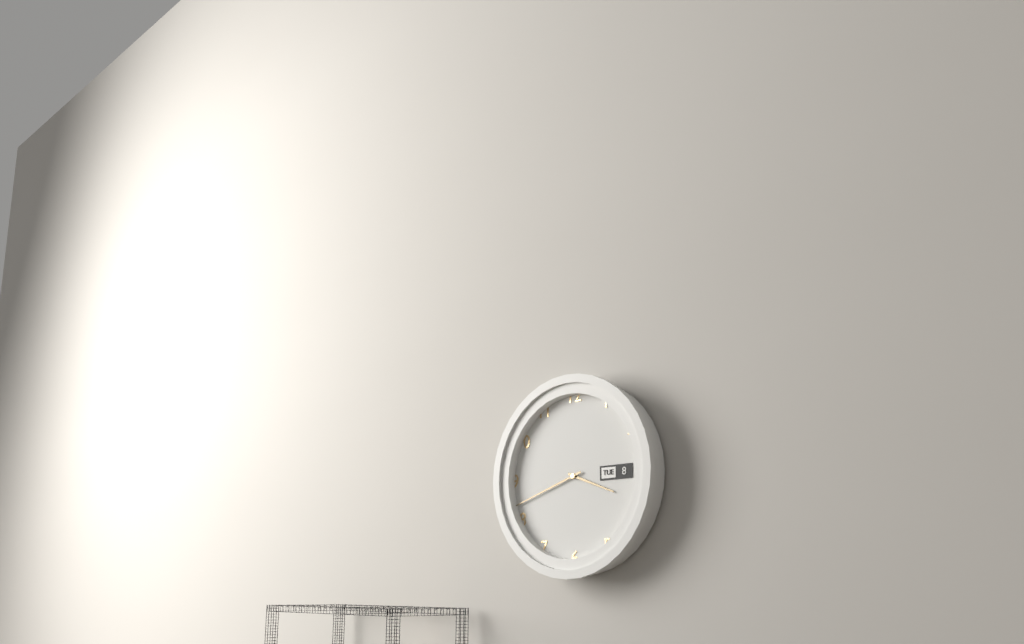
3.42
